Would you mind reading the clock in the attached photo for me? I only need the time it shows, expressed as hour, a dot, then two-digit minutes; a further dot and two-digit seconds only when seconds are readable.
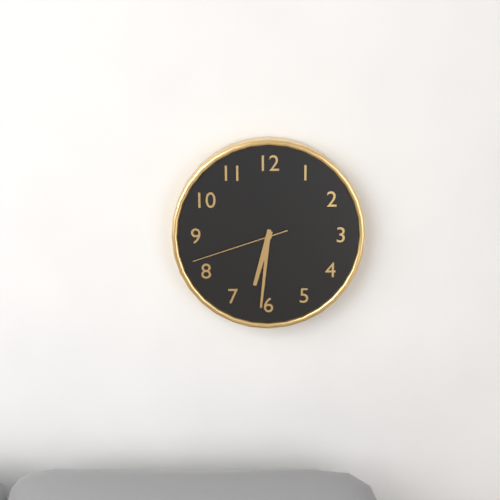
6.31.42
